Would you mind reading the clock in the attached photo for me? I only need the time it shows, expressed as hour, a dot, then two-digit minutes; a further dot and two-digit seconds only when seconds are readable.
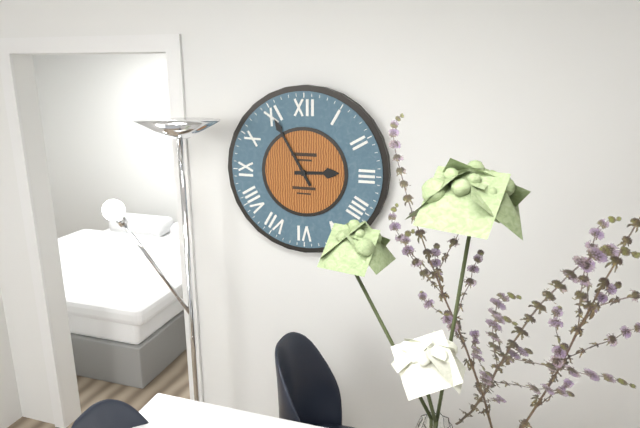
2.55
